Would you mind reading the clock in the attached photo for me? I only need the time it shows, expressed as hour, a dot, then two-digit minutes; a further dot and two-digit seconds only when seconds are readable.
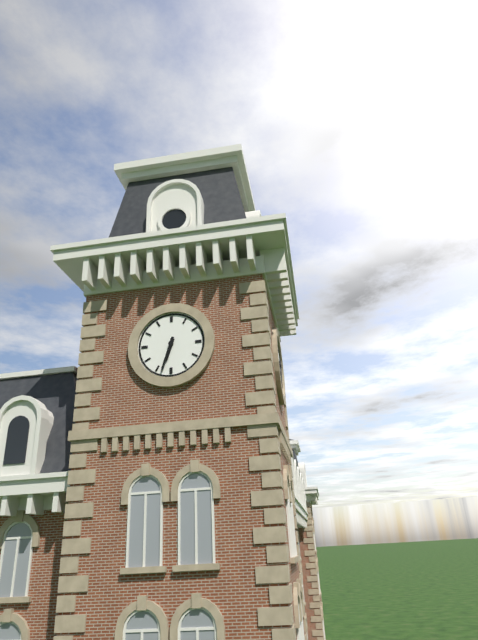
6.33
